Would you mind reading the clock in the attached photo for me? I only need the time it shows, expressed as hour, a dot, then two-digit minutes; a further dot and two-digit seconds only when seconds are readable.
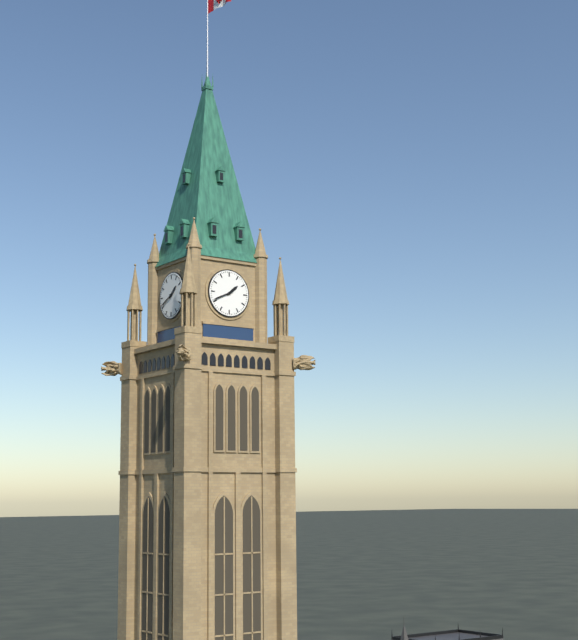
1.41
